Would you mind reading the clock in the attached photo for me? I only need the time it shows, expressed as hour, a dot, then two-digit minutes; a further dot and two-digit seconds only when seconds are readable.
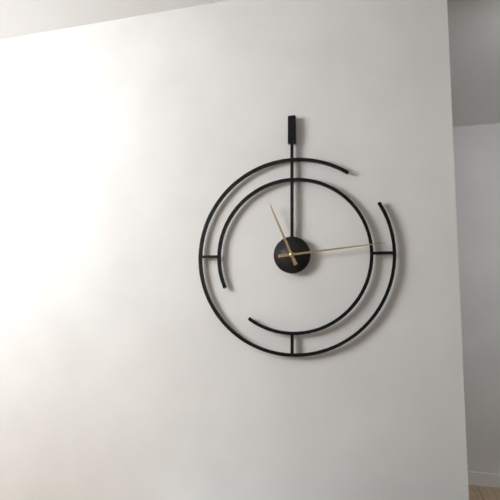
11.14
